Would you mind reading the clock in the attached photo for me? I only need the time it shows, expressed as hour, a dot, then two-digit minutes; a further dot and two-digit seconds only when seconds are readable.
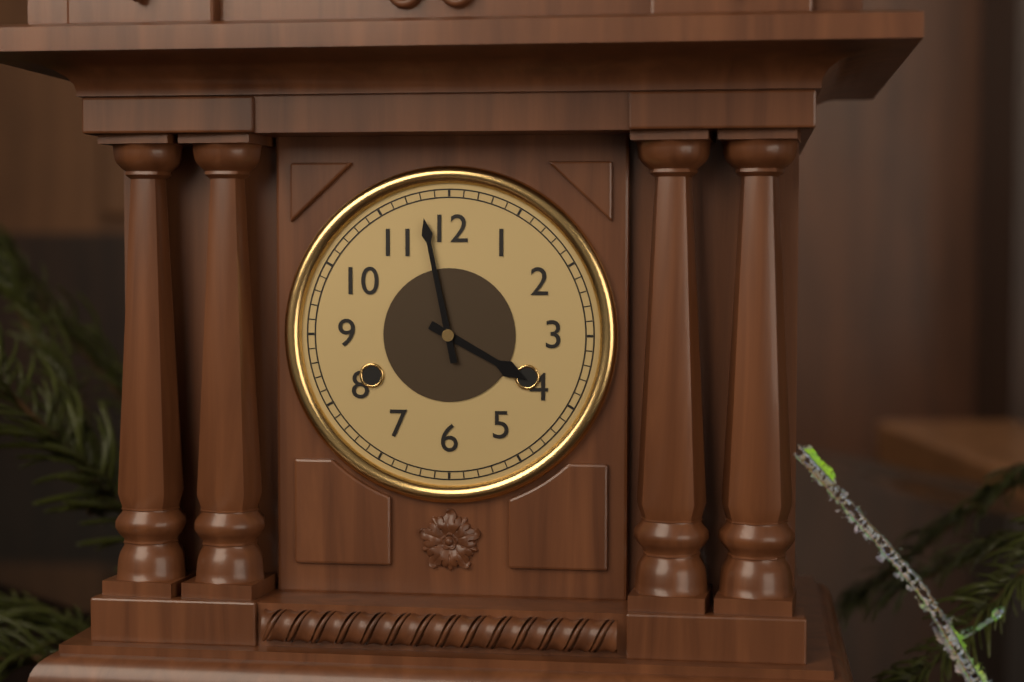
3.58
